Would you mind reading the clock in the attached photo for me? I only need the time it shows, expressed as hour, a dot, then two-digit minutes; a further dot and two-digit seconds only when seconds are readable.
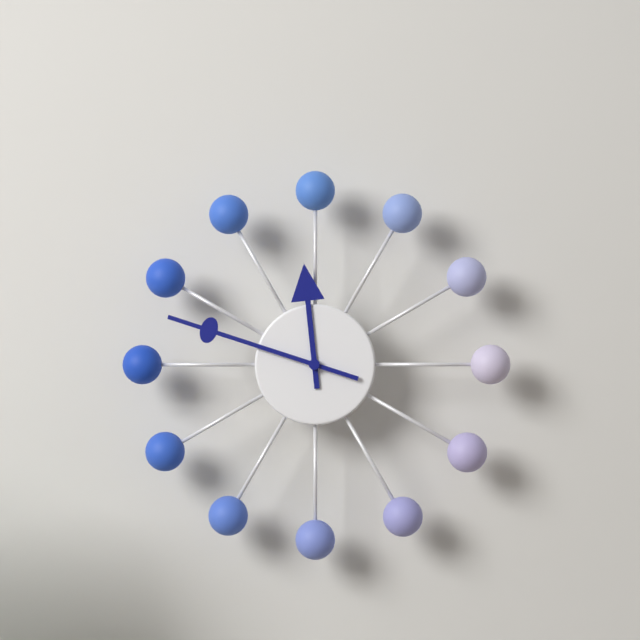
11.48
